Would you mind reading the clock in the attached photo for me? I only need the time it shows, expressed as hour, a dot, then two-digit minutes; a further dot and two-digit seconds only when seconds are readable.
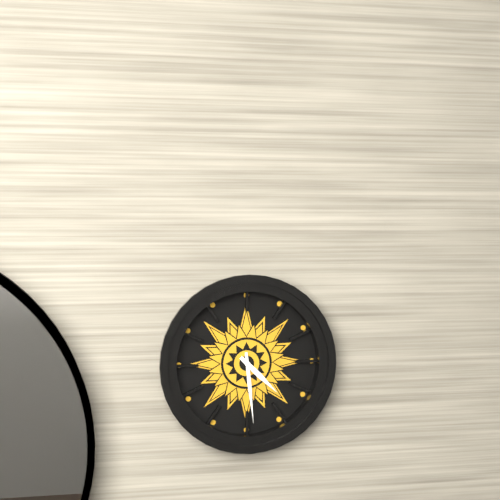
4.29
